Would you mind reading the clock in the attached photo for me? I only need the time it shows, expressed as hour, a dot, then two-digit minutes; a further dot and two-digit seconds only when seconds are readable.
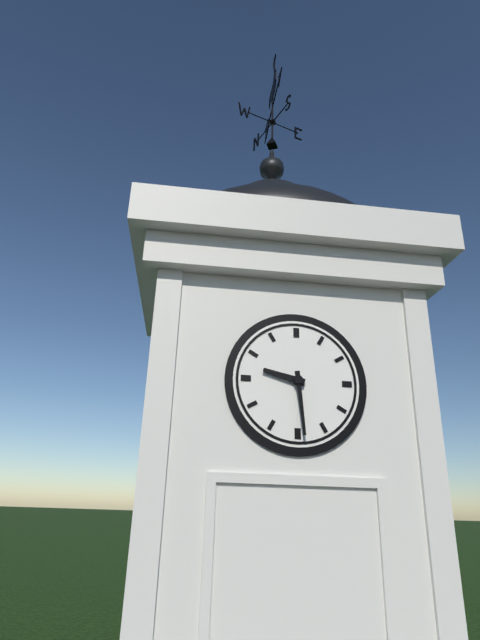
9.29
